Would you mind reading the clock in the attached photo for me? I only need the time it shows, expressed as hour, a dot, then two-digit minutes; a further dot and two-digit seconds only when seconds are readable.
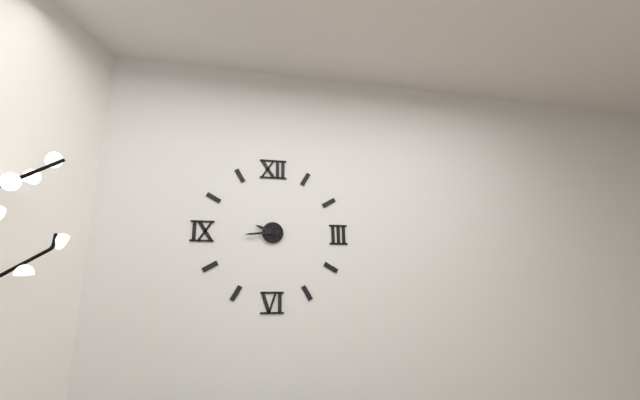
9.44
